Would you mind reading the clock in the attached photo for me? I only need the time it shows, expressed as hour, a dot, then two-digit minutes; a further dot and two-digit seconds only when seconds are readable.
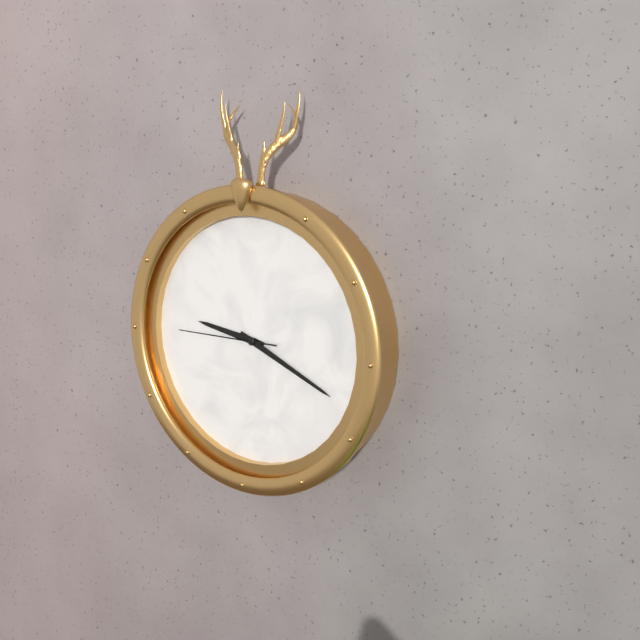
9.19.45
